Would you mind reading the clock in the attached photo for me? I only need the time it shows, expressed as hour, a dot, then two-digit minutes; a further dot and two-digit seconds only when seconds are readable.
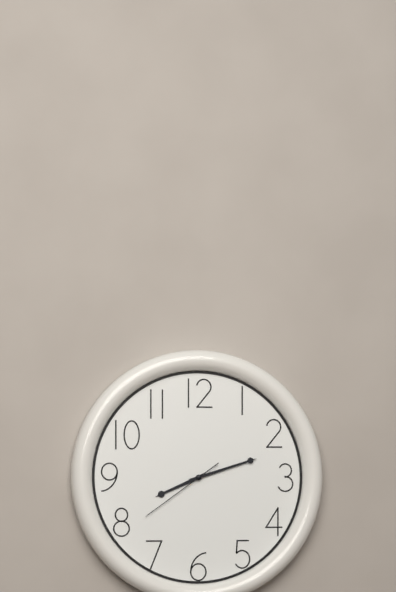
8.12.39
